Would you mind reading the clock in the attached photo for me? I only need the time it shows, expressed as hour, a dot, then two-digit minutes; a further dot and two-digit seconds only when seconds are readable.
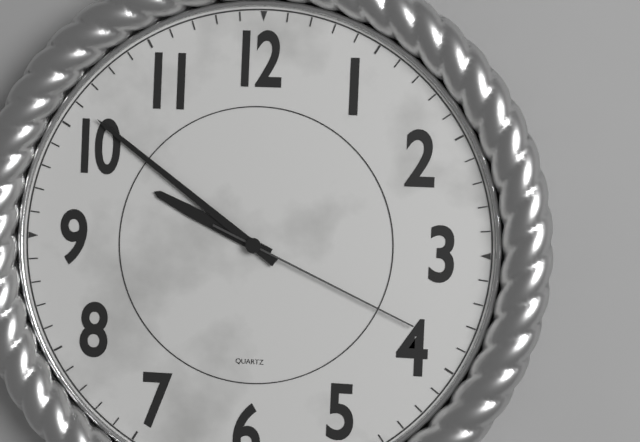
9.51.19
